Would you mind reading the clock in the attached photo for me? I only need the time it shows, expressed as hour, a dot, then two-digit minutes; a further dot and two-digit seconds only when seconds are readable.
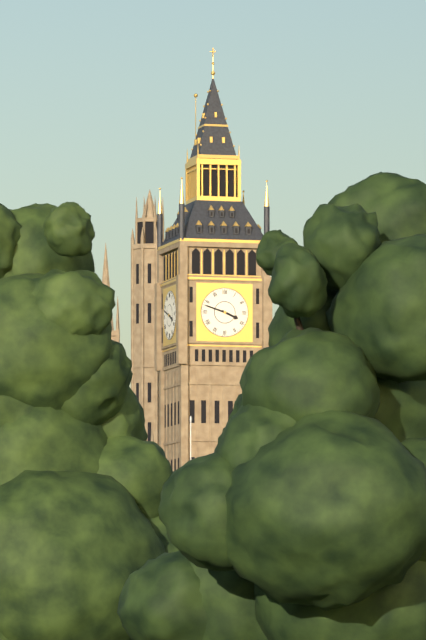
3.48
